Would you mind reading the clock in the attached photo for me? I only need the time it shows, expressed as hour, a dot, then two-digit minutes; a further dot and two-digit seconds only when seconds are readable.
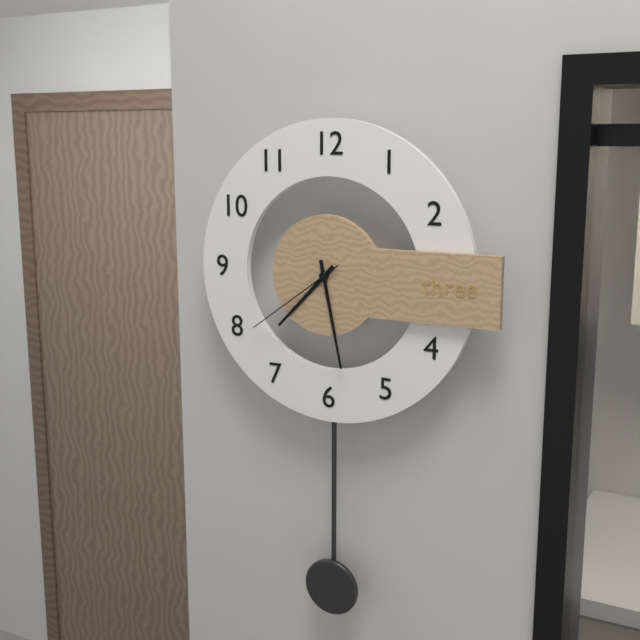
7.28.39
